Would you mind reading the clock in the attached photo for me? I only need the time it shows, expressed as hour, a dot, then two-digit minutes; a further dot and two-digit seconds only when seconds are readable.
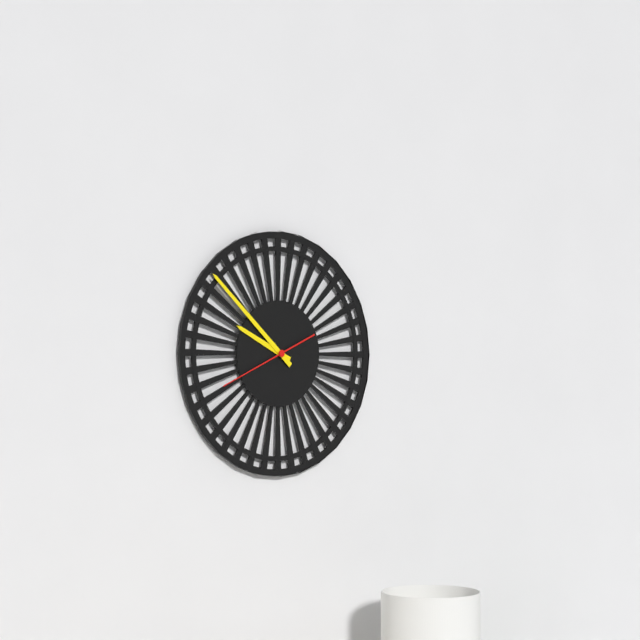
9.52.41
